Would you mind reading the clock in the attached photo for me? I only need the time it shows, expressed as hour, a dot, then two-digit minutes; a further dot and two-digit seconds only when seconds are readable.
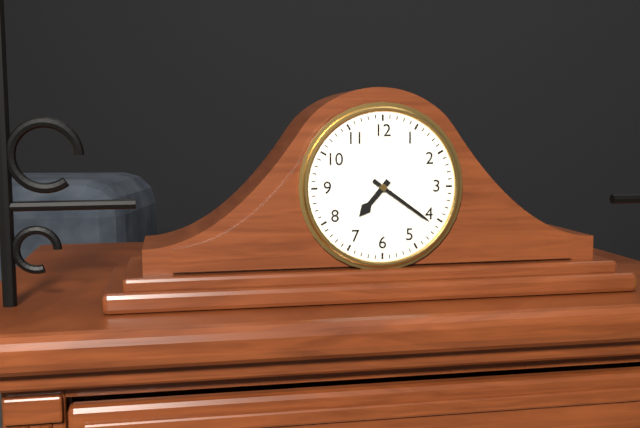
7.21
